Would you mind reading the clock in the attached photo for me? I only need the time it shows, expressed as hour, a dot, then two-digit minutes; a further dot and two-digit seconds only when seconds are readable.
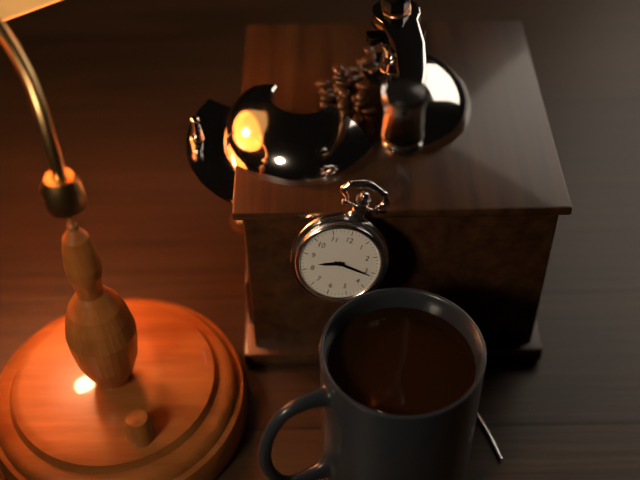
8.16
